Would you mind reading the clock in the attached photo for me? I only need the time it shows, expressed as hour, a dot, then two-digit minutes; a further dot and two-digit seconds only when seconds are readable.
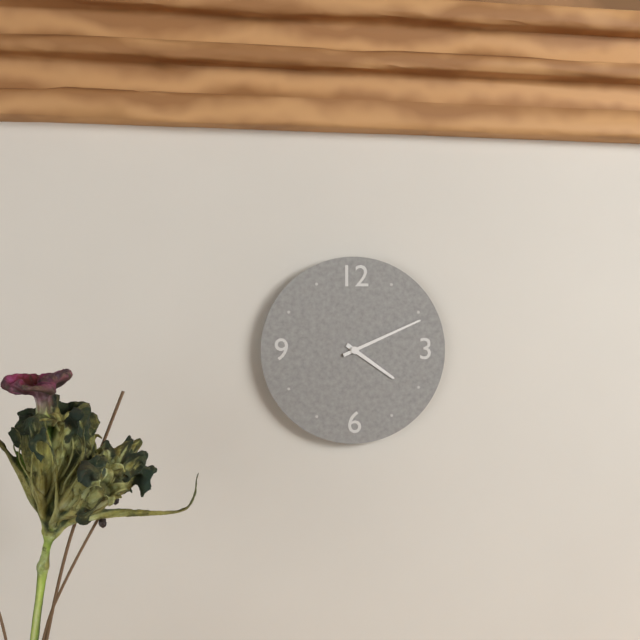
4.11
